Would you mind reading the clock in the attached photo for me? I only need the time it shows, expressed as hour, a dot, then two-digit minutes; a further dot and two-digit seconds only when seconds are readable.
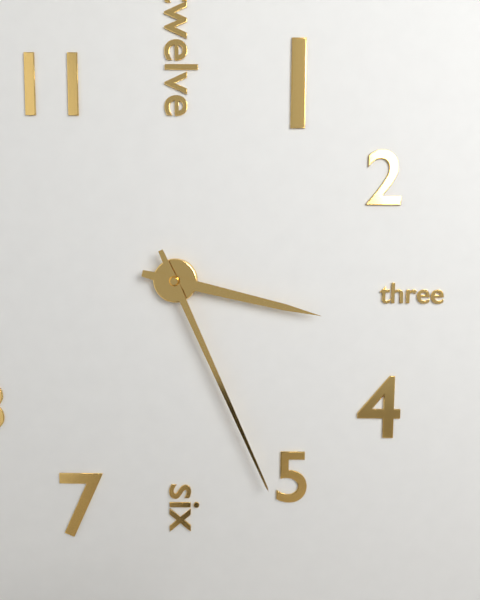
3.26
